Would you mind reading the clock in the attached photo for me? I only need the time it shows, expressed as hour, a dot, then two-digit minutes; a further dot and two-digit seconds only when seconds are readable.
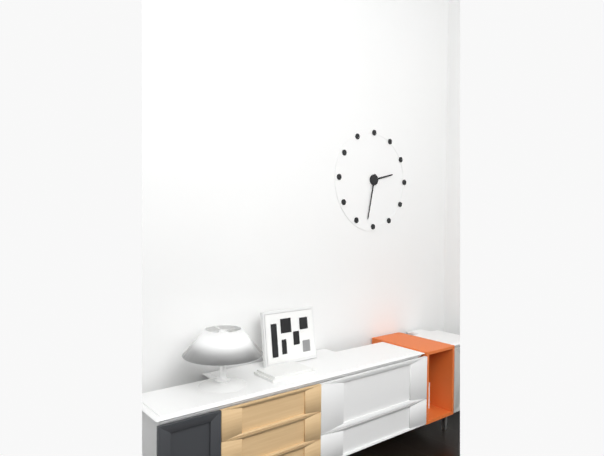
2.32
